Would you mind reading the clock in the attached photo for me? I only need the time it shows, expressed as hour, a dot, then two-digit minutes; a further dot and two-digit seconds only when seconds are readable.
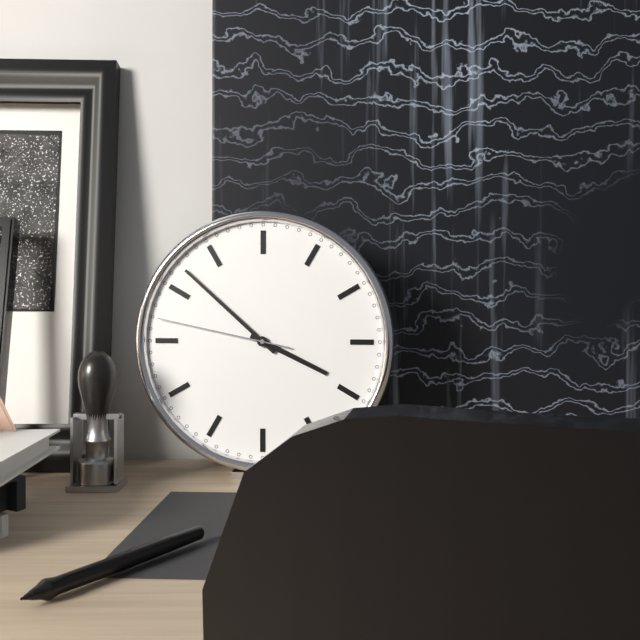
3.52.47
